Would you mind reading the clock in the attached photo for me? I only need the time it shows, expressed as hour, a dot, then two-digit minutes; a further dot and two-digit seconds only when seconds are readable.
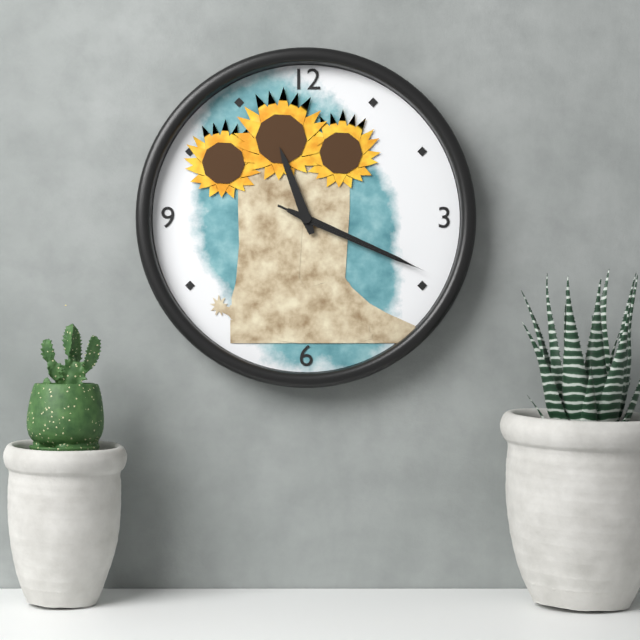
11.19.19
